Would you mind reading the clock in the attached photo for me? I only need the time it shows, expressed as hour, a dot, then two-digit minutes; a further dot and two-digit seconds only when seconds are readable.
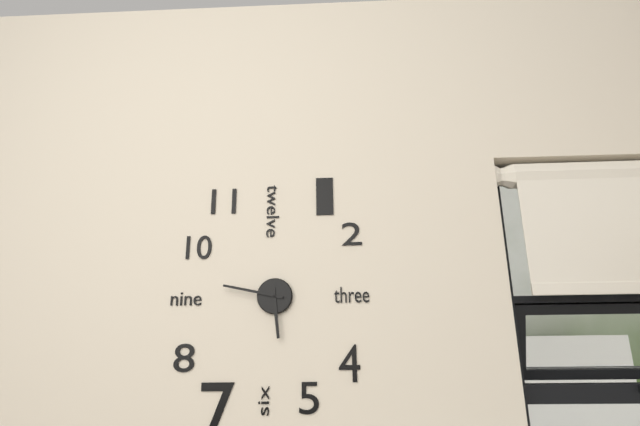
5.47
